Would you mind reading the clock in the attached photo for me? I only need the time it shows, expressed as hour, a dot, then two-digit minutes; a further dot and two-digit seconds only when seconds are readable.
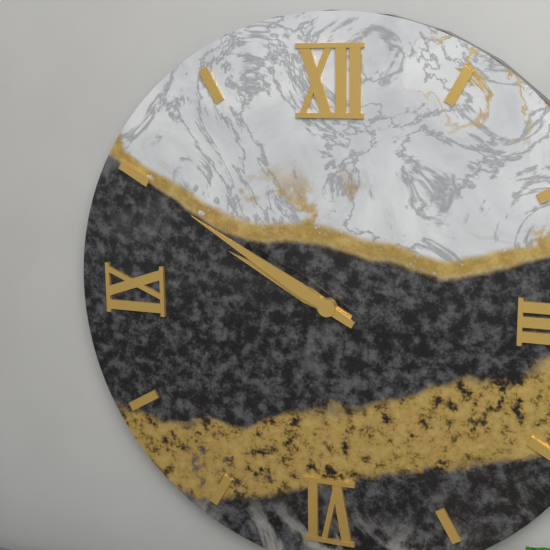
9.50
